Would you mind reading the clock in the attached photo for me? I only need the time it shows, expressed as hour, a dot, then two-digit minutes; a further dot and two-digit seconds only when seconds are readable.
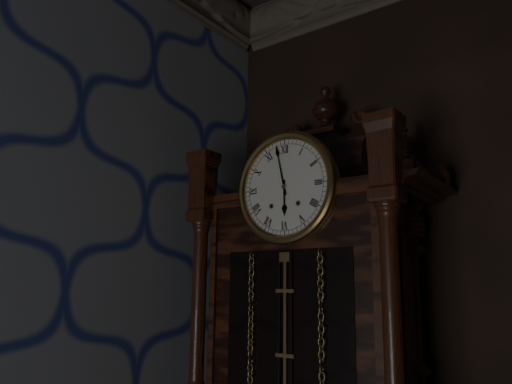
5.58
